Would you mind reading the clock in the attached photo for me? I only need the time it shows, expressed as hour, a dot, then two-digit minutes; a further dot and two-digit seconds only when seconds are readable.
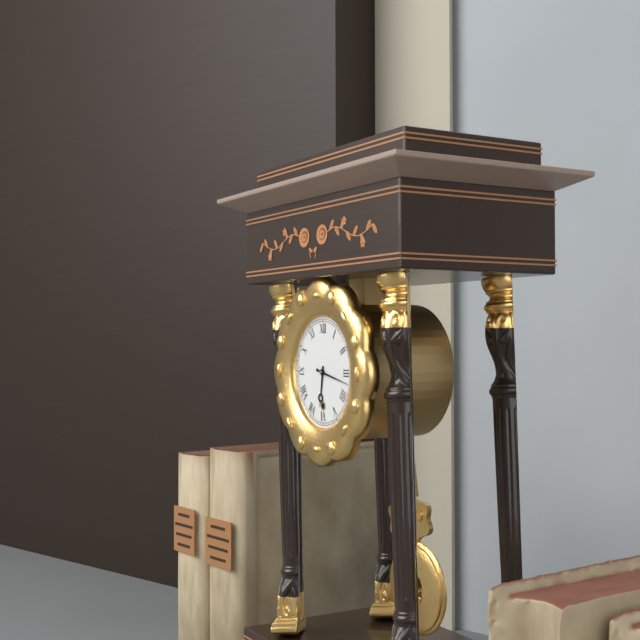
6.17
